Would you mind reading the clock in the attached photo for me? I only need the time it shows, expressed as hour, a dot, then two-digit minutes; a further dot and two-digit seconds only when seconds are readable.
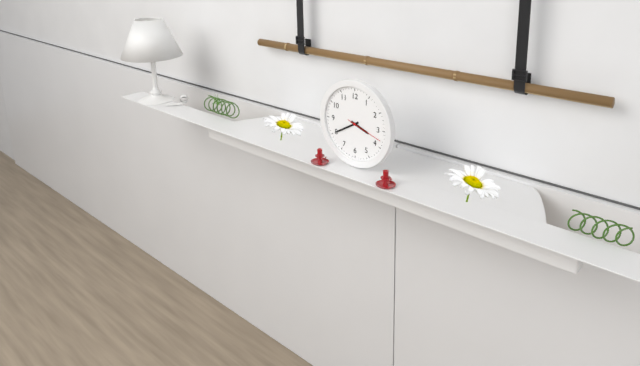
3.40
